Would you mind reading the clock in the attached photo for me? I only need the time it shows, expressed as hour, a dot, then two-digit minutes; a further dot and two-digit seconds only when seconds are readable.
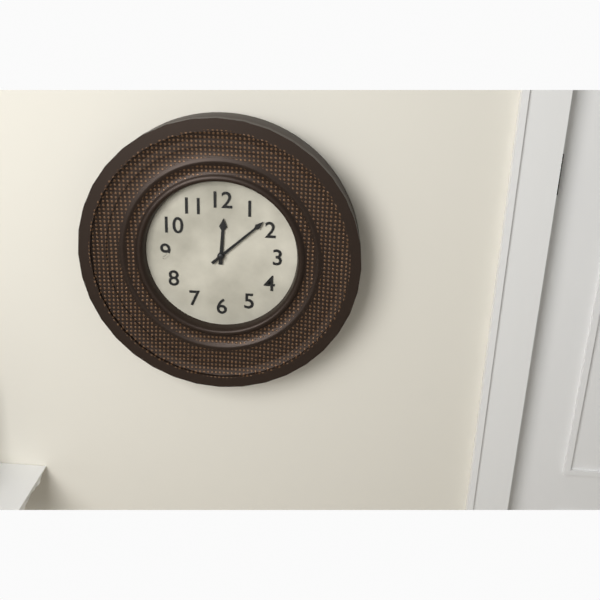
12.08
